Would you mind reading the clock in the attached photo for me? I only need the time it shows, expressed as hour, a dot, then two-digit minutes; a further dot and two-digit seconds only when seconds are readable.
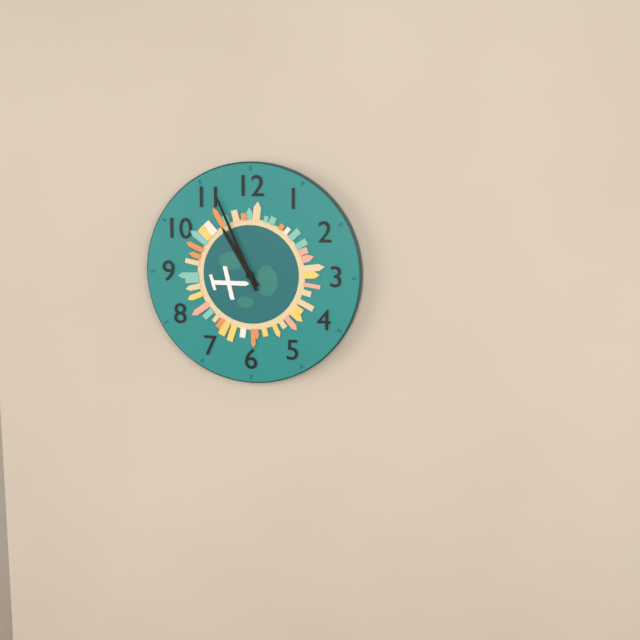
10.56
